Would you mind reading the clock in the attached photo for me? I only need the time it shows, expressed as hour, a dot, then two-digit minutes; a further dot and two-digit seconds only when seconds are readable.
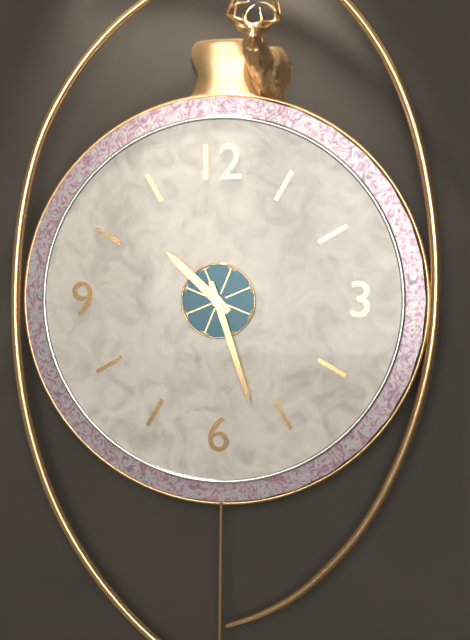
10.27
